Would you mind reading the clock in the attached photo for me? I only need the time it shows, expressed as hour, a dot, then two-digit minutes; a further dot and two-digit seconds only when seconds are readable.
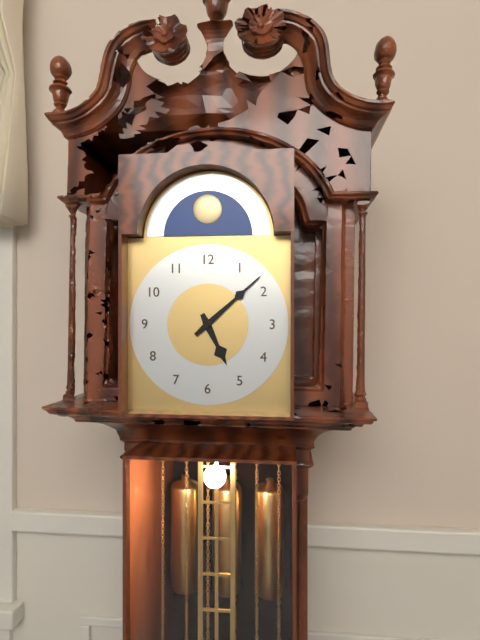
5.08
